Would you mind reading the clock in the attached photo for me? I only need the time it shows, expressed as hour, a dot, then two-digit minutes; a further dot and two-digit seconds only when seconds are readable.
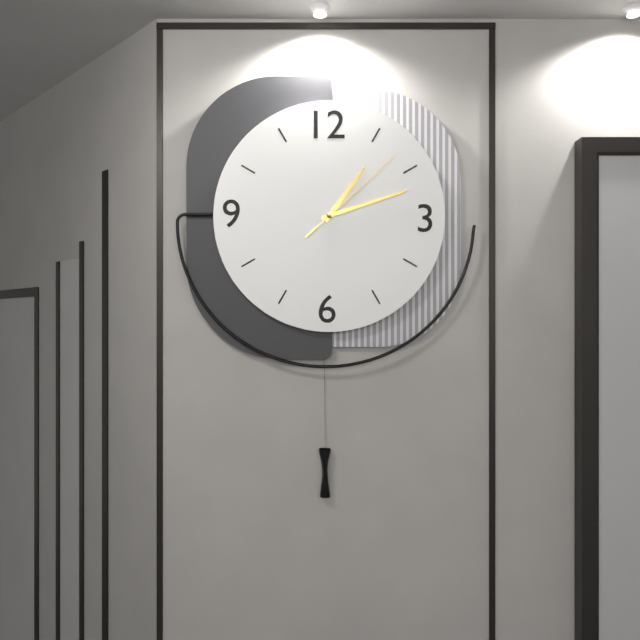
1.12.08
